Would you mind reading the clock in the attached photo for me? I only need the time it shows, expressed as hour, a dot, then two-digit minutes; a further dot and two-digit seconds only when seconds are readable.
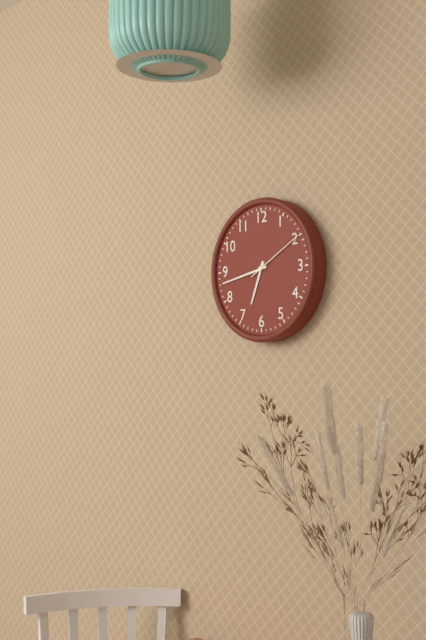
6.43.10
